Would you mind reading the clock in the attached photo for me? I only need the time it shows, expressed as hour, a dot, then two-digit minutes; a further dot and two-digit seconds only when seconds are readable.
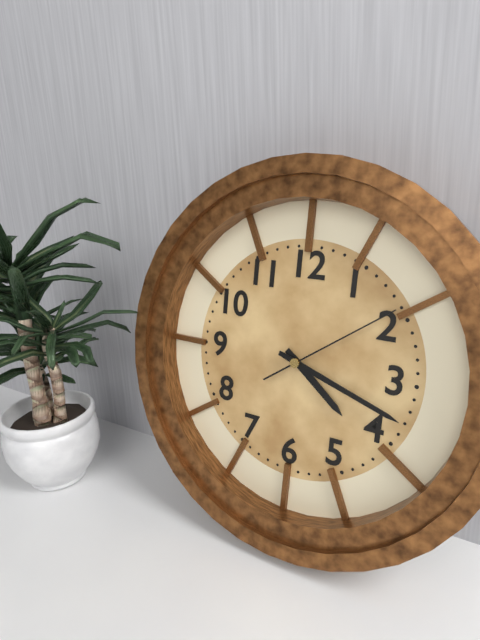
4.18.09
